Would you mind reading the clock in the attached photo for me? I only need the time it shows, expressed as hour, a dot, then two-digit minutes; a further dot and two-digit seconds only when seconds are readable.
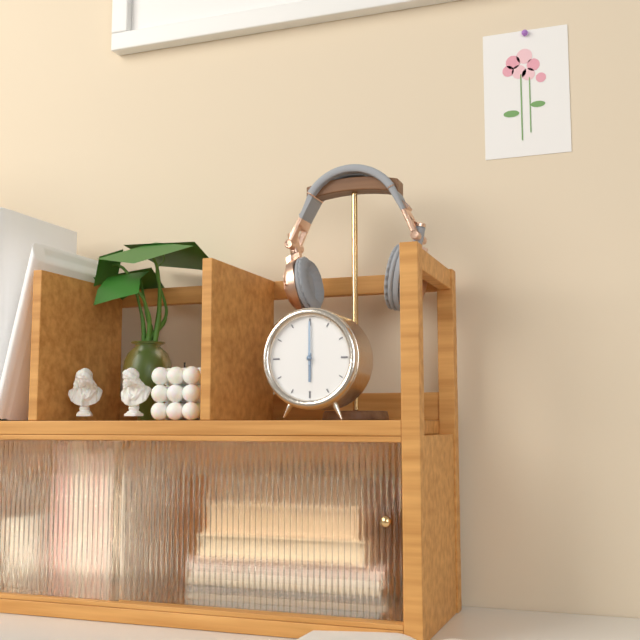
6.00
